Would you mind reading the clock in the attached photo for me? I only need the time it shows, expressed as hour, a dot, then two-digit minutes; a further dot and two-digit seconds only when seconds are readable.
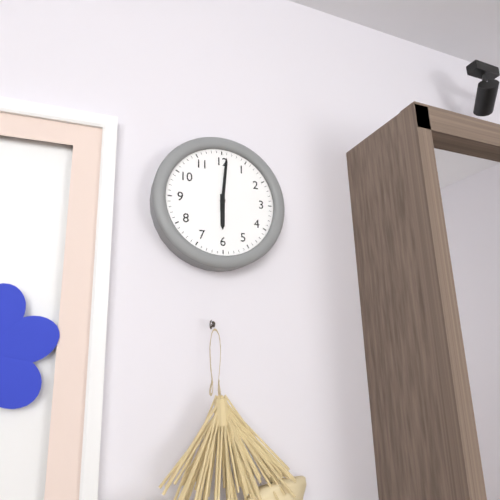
6.01
